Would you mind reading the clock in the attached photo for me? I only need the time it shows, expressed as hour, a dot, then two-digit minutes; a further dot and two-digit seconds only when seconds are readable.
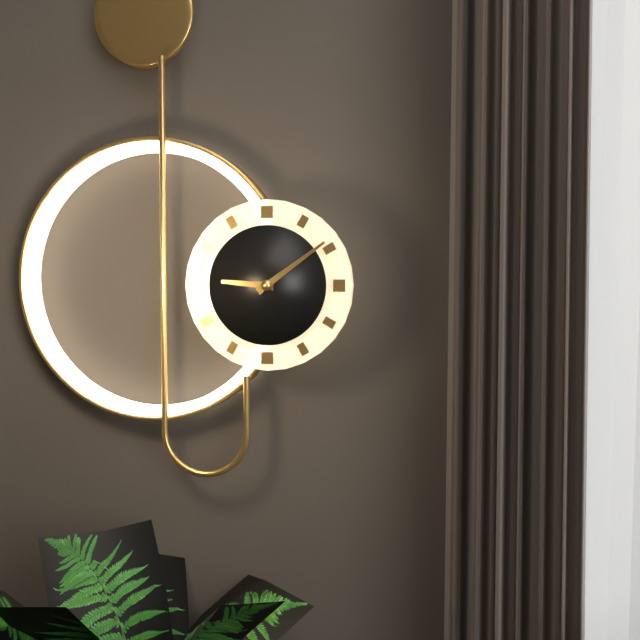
9.09
